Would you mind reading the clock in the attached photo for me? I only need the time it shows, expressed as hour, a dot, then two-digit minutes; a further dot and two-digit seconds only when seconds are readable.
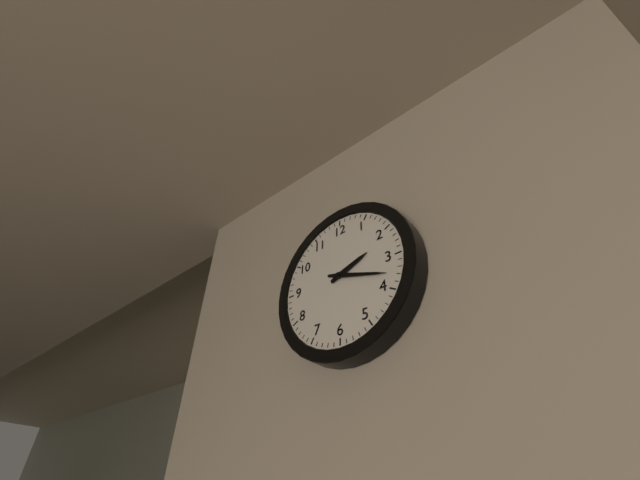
2.18
